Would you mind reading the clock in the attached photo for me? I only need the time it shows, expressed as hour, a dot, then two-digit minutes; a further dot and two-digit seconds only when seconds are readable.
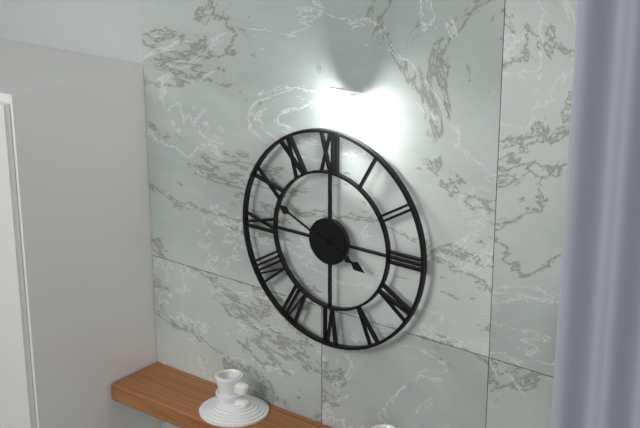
3.49
